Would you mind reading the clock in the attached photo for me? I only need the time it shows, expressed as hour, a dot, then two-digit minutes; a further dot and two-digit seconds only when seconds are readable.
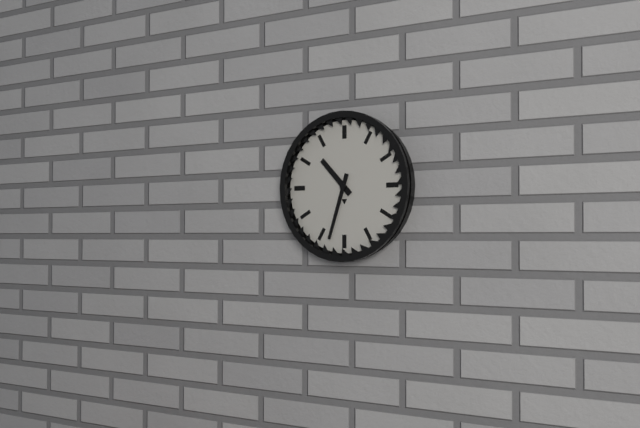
10.33
